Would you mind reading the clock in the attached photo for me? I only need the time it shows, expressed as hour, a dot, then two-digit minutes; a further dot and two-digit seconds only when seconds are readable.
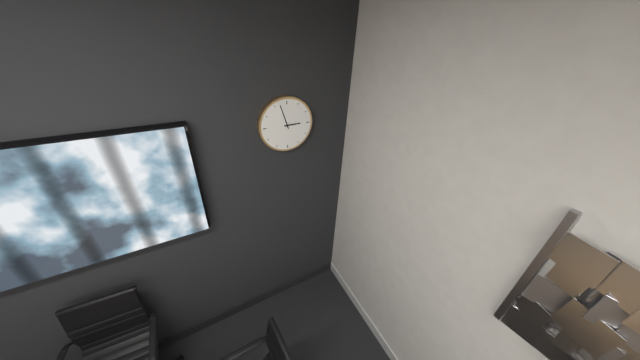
2.57
